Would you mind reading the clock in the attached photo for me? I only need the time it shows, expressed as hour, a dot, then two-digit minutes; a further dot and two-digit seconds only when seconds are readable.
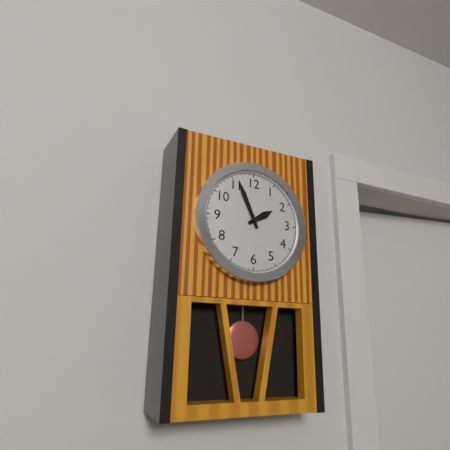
1.56
